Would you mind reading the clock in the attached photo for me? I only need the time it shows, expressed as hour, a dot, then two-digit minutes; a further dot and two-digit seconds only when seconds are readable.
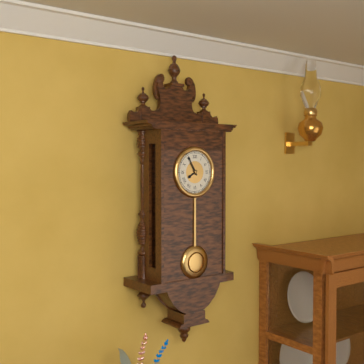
7.55
